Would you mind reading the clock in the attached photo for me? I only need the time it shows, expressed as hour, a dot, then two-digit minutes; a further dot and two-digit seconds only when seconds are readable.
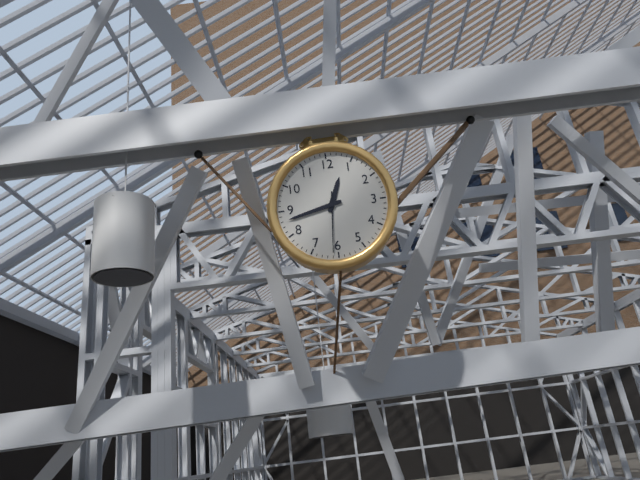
12.43.31
